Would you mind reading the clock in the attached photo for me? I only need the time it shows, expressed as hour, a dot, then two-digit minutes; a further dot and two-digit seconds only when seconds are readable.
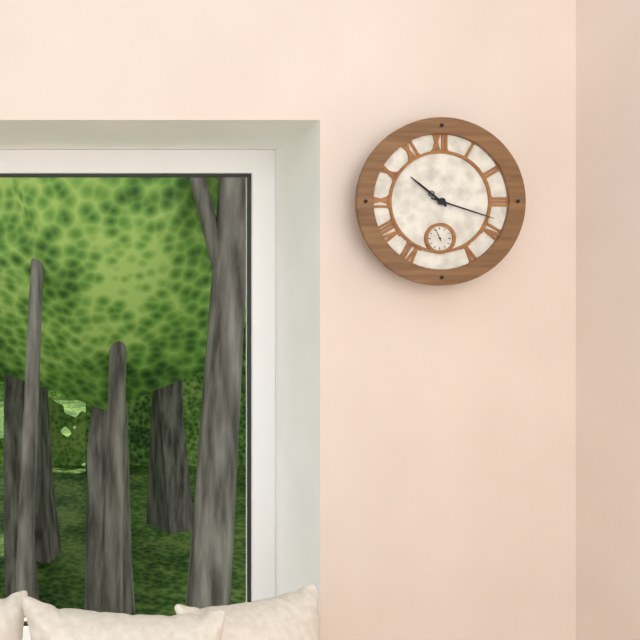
10.18
